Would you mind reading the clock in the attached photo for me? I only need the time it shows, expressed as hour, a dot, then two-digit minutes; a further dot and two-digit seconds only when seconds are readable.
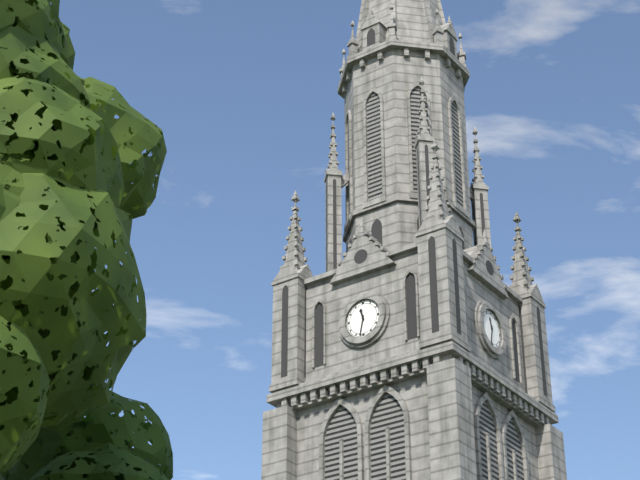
11.32
